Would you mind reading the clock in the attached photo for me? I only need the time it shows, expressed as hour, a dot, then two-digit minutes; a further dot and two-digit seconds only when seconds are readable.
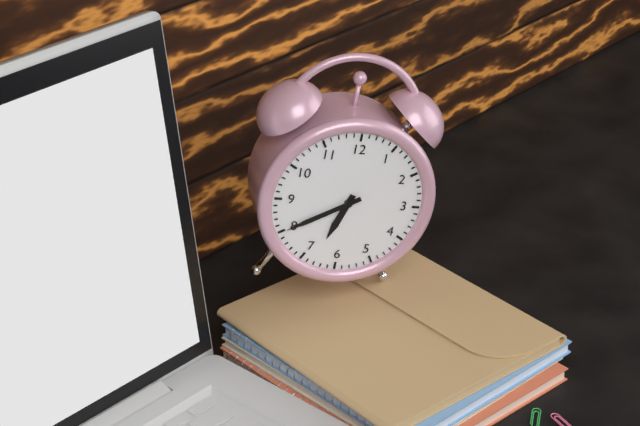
6.40
